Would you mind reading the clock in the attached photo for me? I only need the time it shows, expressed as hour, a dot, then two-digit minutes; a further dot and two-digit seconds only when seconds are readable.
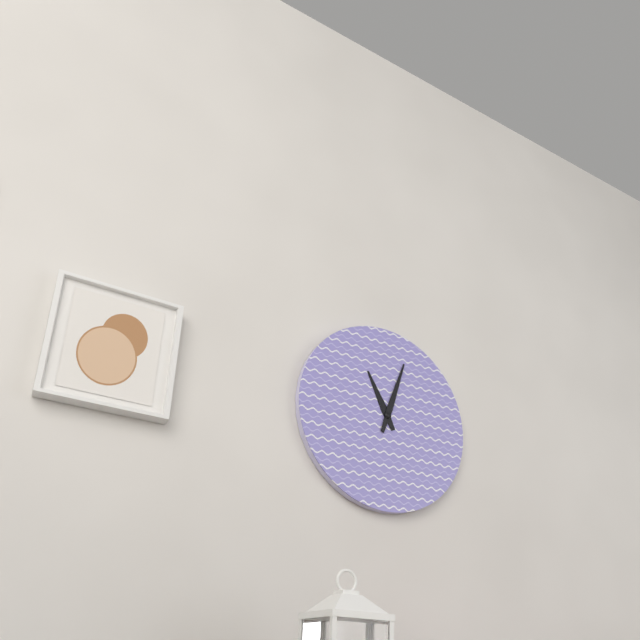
11.03
